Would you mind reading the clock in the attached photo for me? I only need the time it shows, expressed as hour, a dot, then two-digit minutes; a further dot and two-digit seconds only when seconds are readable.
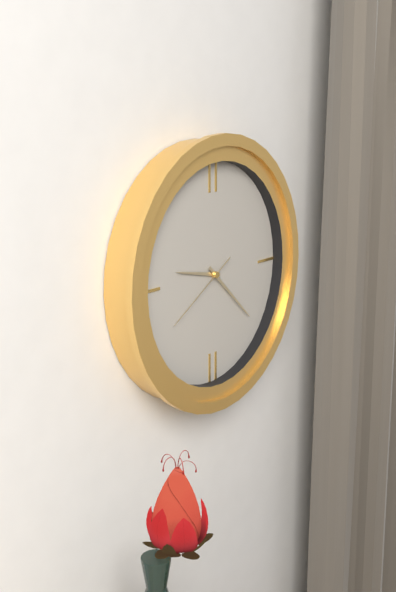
9.22.40
